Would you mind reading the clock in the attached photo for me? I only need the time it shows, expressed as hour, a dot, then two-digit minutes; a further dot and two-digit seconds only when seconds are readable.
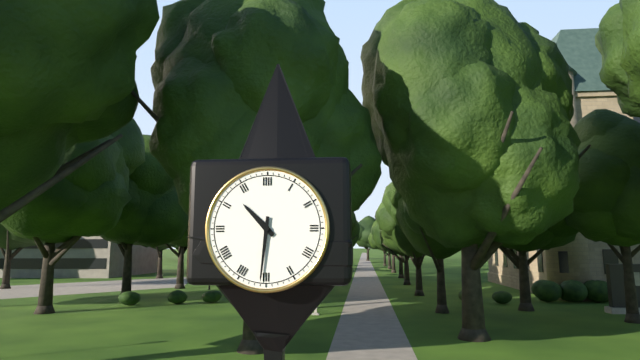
10.31
